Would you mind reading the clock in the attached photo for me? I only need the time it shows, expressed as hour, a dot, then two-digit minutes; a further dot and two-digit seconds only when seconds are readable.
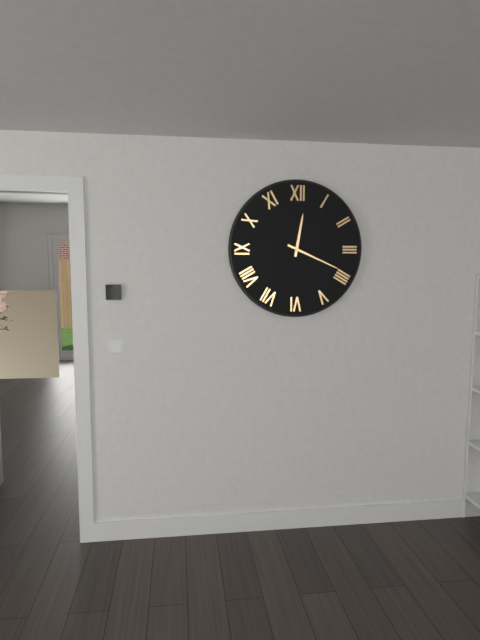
12.19
